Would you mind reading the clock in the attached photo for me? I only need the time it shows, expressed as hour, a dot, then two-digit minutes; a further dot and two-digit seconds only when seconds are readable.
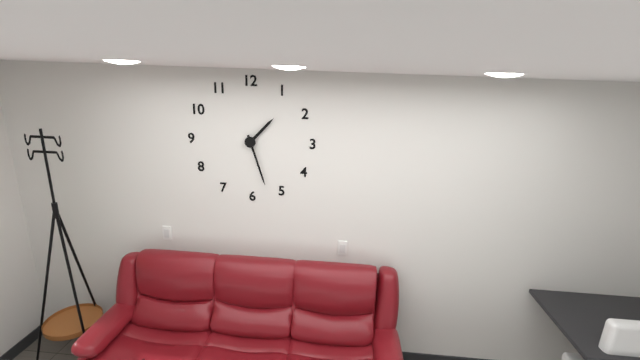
1.27
